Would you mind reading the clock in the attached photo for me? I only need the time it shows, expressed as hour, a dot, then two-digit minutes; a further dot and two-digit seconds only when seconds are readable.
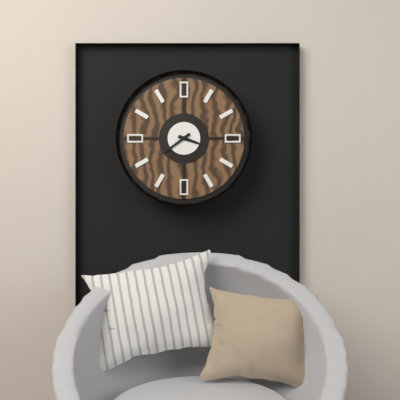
3.39
